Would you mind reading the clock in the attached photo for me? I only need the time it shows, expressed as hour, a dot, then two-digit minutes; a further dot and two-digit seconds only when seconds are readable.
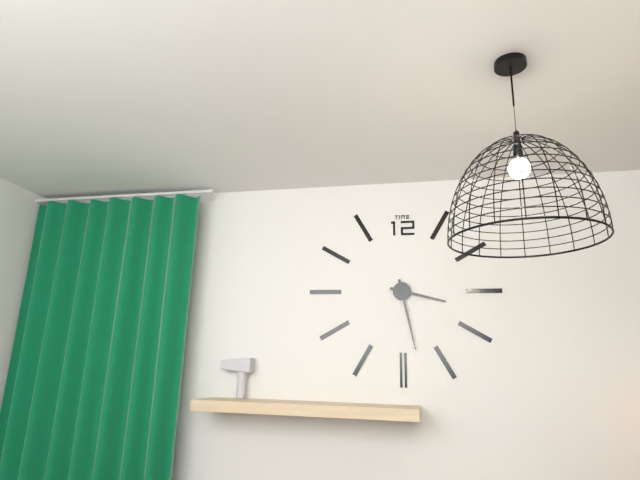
3.28
